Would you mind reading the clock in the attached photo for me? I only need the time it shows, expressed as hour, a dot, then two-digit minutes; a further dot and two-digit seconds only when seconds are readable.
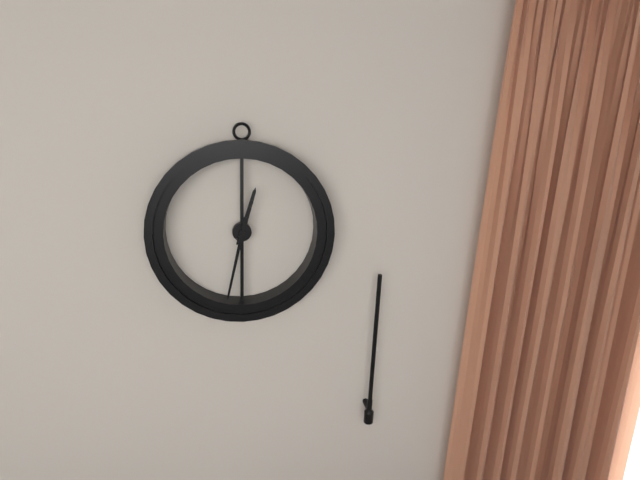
12.32
